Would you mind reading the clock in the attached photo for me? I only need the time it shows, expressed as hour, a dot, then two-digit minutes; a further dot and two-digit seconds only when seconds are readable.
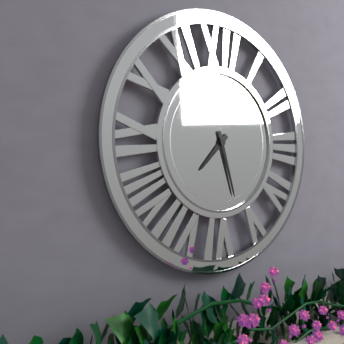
7.27
